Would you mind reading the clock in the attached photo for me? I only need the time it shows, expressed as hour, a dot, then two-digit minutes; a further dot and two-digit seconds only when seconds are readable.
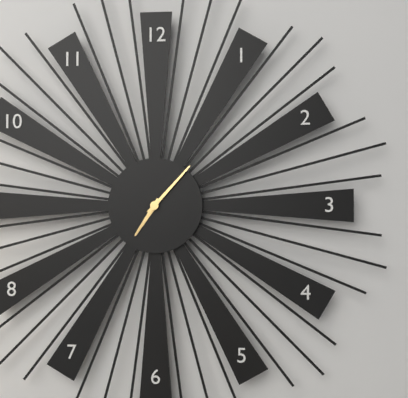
7.07
